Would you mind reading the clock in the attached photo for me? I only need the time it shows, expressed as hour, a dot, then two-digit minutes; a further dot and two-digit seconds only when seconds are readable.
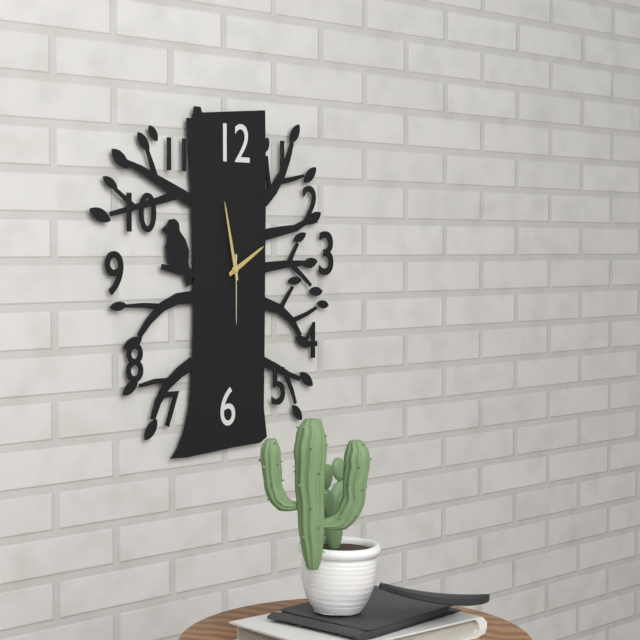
1.58.30
